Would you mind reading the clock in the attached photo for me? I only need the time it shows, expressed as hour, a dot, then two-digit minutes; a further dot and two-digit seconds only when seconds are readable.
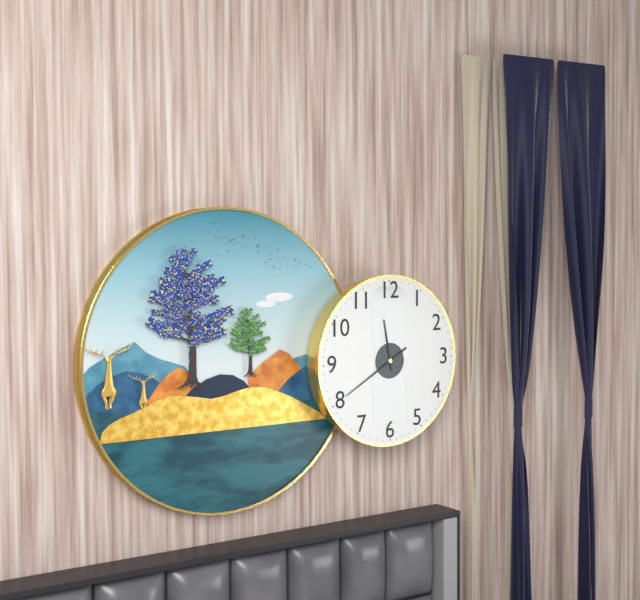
11.40
